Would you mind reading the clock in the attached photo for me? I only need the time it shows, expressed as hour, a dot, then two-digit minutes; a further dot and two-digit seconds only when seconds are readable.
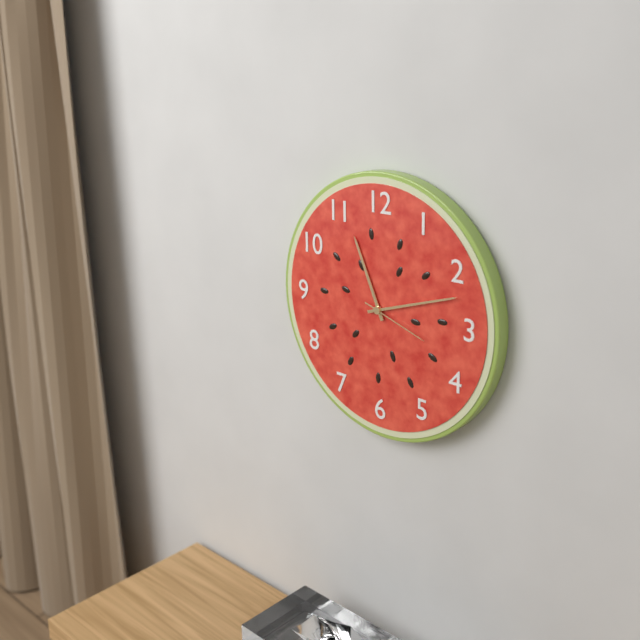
11.12.18
